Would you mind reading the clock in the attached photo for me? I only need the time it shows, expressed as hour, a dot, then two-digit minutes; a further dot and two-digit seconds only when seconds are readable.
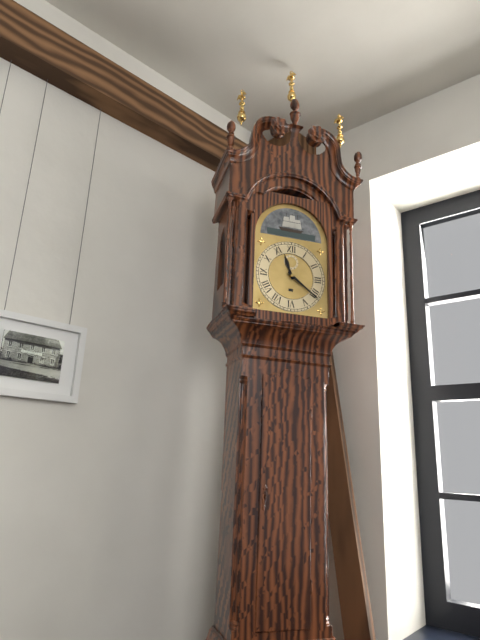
11.21
